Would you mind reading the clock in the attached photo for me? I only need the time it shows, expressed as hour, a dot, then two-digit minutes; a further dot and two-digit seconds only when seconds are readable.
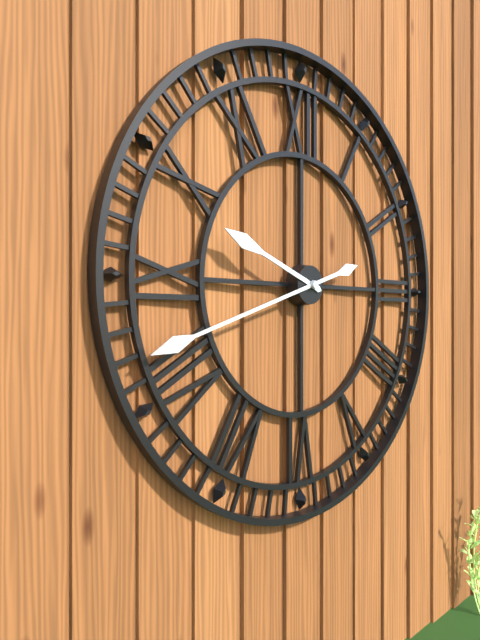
9.42
